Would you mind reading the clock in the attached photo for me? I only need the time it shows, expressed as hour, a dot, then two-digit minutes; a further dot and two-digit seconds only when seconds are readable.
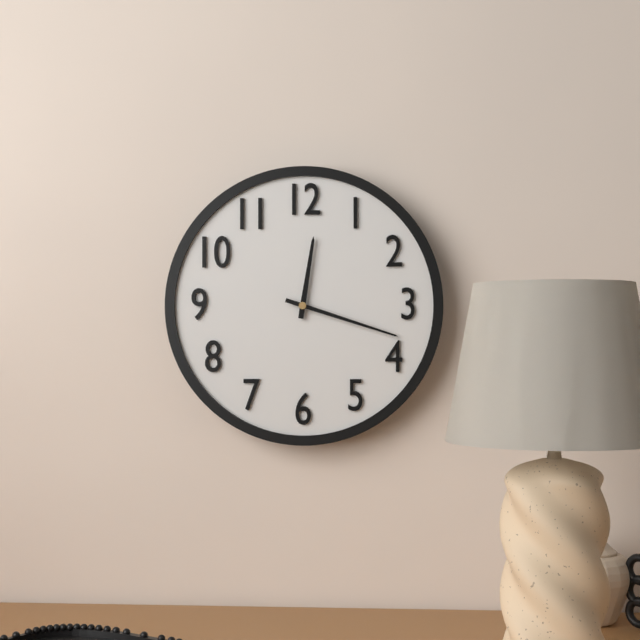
12.18
